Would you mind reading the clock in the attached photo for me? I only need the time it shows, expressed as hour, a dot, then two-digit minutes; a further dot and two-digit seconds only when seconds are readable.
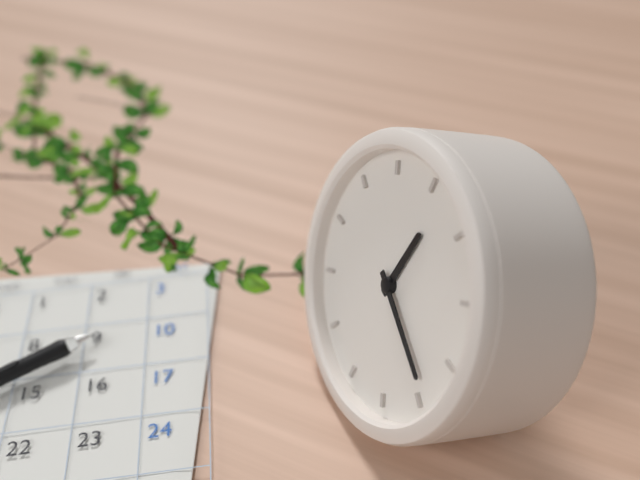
12.19
